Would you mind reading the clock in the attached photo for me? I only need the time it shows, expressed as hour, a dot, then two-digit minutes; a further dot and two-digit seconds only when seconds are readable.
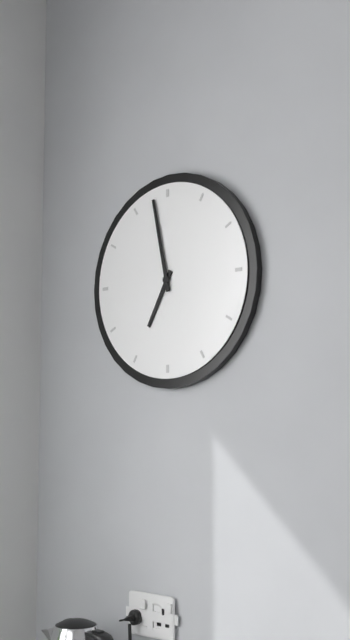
6.58
